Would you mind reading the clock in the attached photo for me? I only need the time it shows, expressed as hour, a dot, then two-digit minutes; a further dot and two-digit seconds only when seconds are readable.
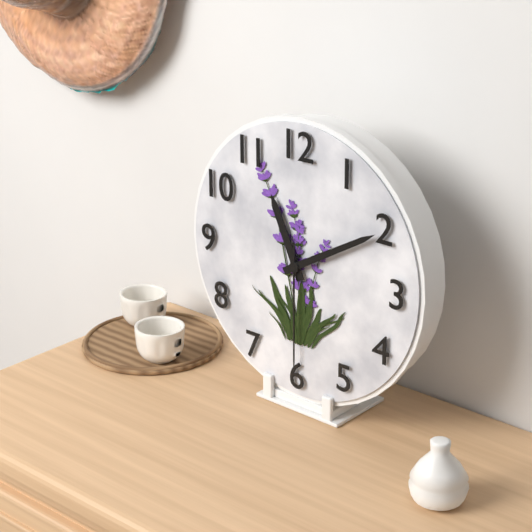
11.10.30
